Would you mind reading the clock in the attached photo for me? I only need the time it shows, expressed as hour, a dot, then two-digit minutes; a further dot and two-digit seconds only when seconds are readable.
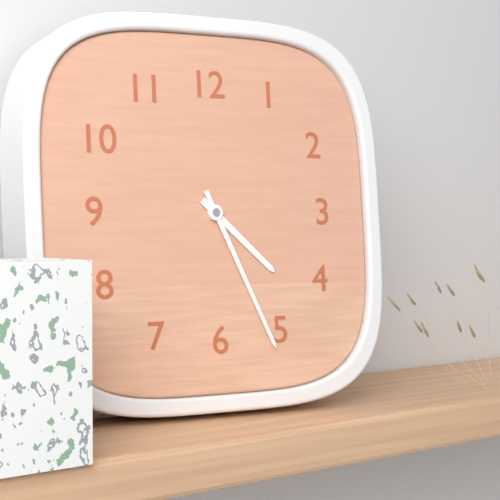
4.26
